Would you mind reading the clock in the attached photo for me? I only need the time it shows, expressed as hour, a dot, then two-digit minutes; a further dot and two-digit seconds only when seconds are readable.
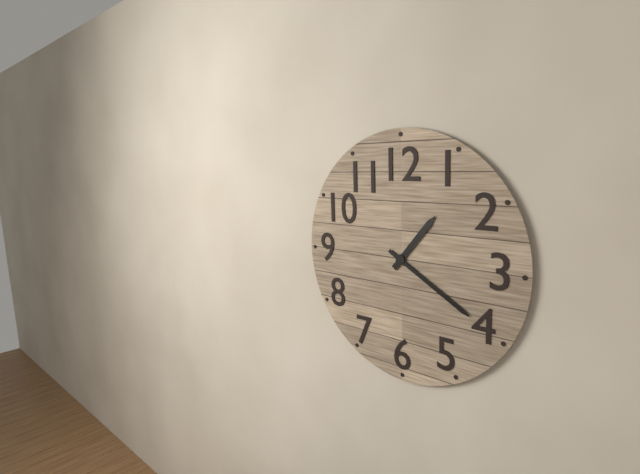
1.20
